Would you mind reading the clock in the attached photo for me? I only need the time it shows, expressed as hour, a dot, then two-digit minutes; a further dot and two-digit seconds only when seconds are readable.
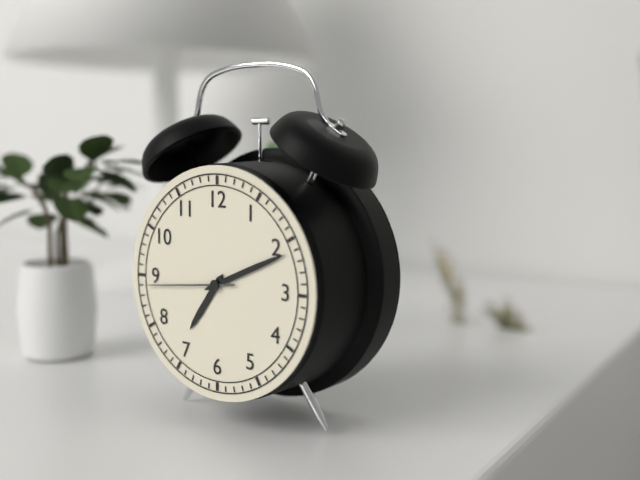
7.11.44
